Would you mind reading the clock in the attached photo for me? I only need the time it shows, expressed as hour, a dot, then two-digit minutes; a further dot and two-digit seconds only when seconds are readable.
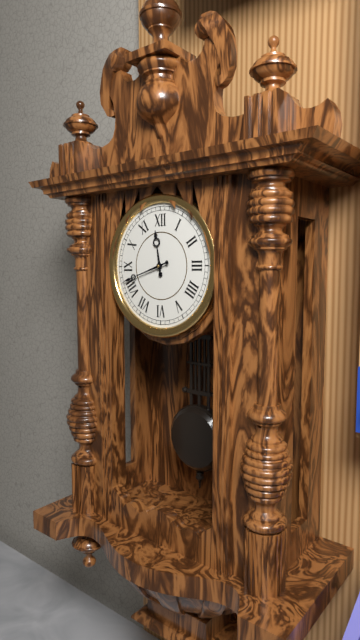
11.42
